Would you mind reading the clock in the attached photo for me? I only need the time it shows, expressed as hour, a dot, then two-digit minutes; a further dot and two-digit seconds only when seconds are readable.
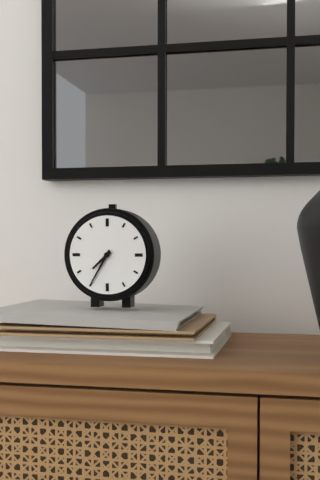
7.35
